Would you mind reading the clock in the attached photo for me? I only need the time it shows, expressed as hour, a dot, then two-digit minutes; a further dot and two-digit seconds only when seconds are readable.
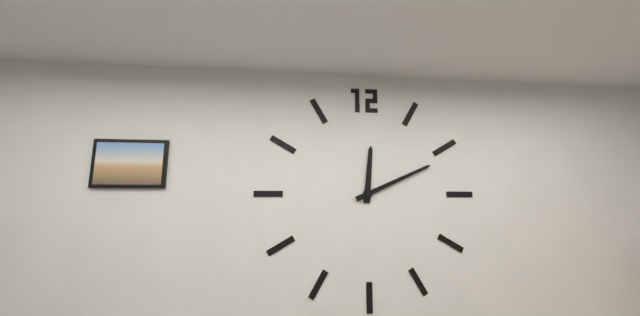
12.11
